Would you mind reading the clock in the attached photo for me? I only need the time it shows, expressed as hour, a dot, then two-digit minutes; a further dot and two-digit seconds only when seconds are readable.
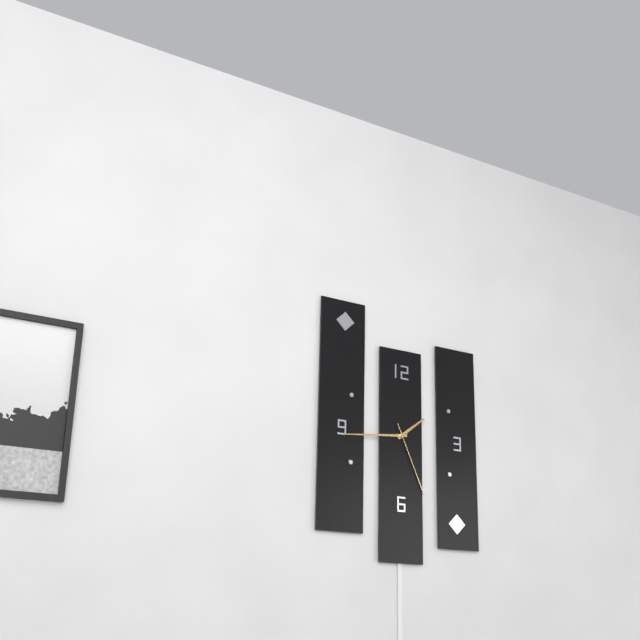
1.44.26
